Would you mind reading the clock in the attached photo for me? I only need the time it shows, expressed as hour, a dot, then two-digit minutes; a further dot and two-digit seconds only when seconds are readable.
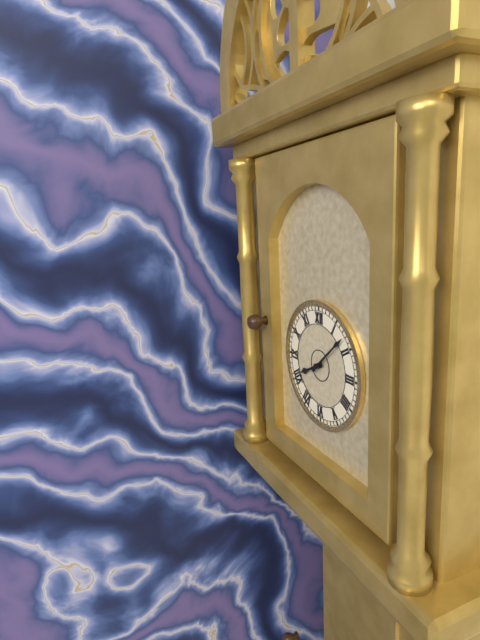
8.08
